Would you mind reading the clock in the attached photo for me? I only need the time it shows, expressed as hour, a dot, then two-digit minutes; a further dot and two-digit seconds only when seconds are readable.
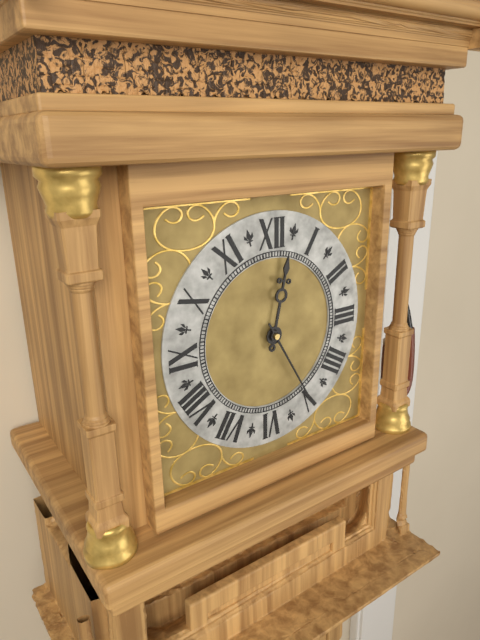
12.25
